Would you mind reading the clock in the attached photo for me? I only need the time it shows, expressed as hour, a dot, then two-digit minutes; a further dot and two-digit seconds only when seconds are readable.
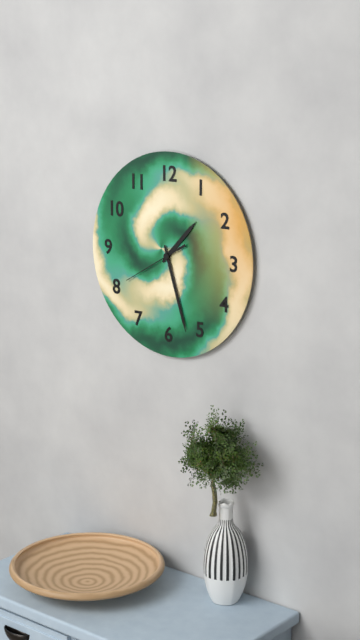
1.27.40
